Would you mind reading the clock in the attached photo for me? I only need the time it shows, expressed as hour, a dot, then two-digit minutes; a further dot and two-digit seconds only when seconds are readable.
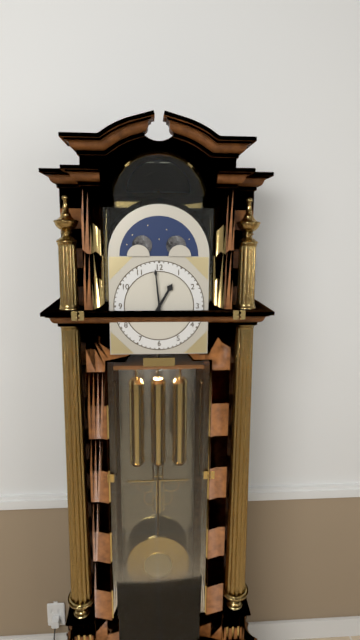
12.59
